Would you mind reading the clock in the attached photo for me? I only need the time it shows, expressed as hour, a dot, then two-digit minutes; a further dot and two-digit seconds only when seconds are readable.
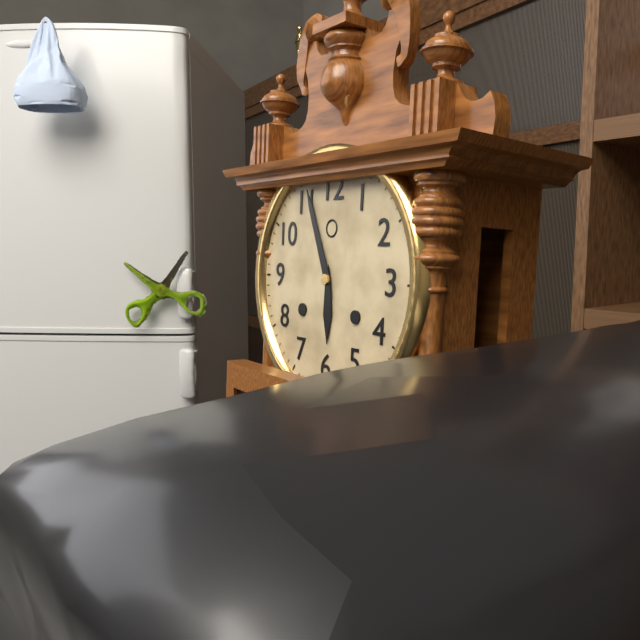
5.56
